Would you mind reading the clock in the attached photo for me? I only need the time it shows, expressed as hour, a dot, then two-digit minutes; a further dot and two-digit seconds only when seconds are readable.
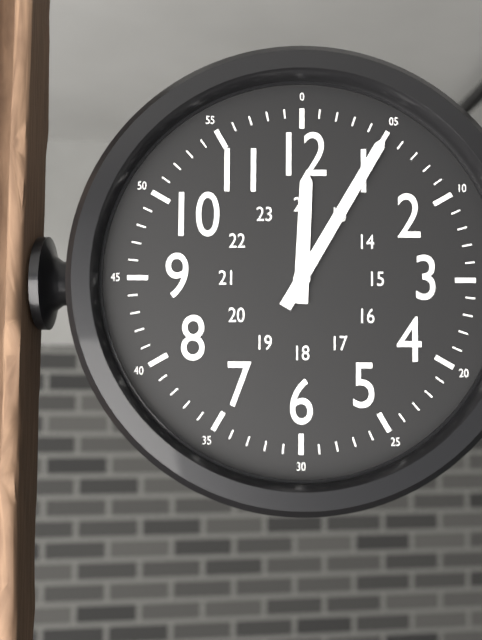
12.05
